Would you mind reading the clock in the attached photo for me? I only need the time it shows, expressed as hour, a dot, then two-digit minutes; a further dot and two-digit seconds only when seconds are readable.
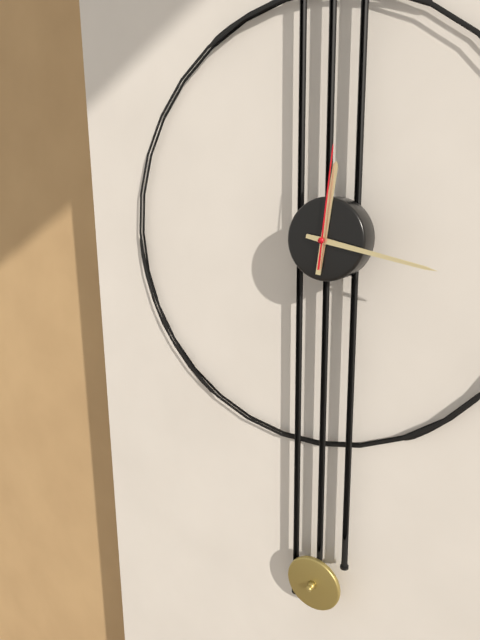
12.17.01
